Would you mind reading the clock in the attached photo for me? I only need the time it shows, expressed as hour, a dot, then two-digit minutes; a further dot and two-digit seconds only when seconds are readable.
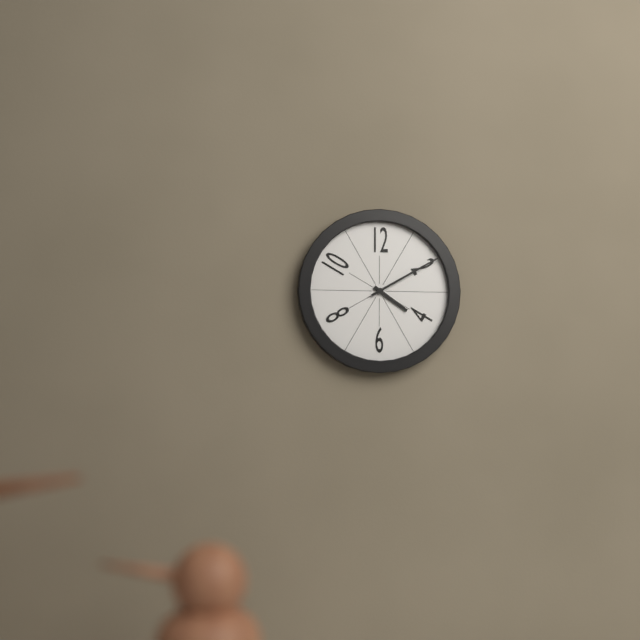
4.10
